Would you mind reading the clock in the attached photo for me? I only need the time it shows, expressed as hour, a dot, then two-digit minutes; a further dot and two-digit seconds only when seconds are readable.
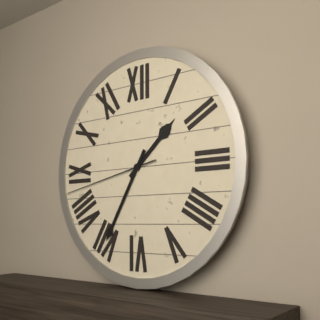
1.35.43
